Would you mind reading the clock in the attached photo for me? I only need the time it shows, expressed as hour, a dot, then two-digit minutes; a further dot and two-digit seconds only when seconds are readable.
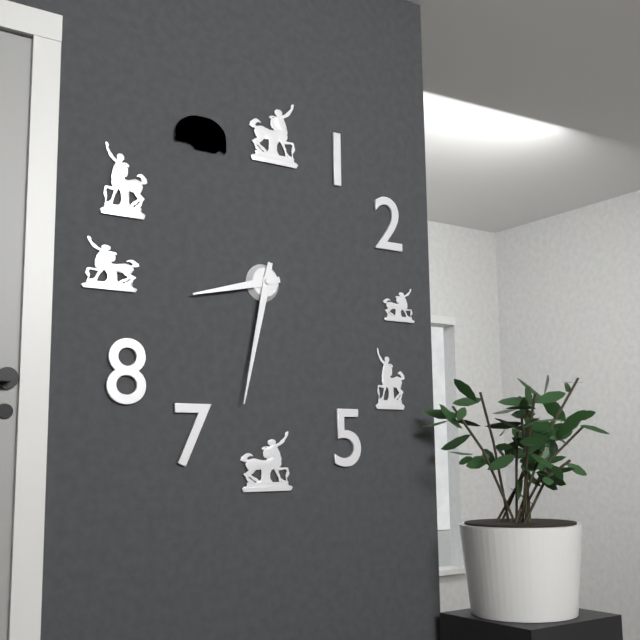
8.32
